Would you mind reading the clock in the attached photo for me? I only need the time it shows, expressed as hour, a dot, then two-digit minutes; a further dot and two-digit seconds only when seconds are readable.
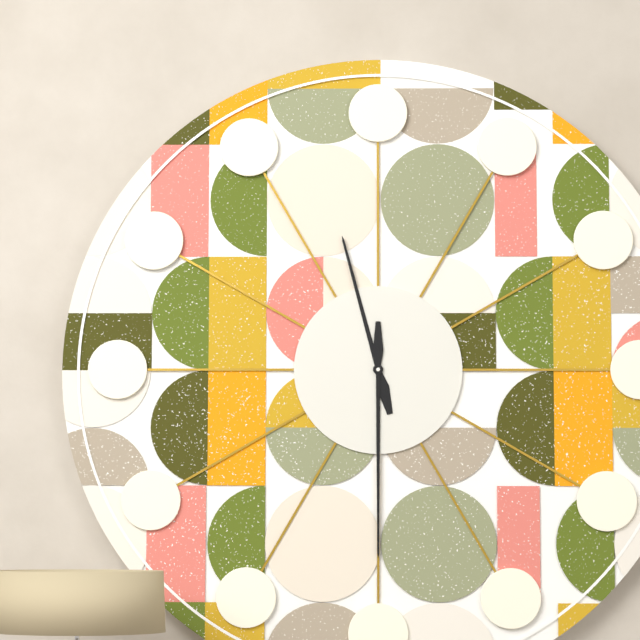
11.30
